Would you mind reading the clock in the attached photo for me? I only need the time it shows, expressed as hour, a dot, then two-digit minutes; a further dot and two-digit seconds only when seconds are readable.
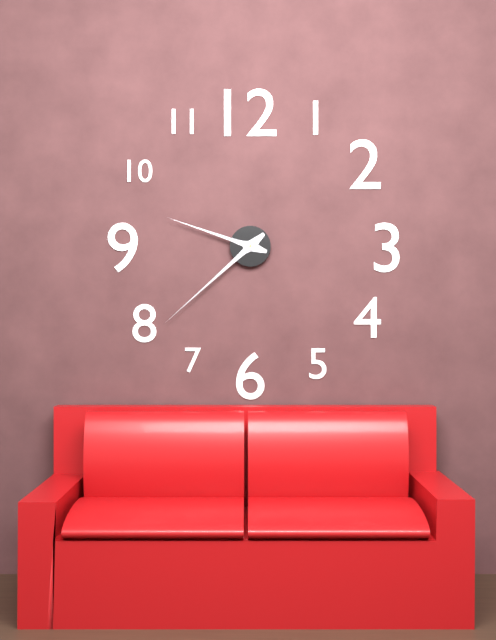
9.38
